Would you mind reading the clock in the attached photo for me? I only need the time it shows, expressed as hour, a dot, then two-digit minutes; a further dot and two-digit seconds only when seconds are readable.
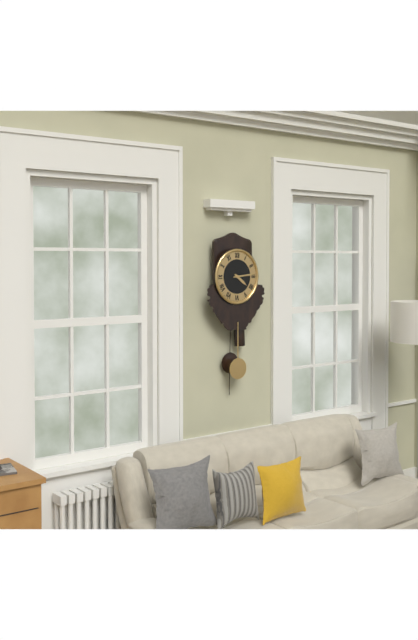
4.14
